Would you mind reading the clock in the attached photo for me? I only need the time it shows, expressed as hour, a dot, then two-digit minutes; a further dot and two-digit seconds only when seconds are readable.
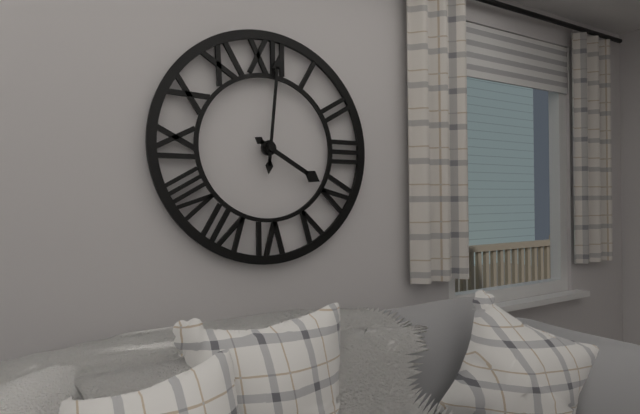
4.01
